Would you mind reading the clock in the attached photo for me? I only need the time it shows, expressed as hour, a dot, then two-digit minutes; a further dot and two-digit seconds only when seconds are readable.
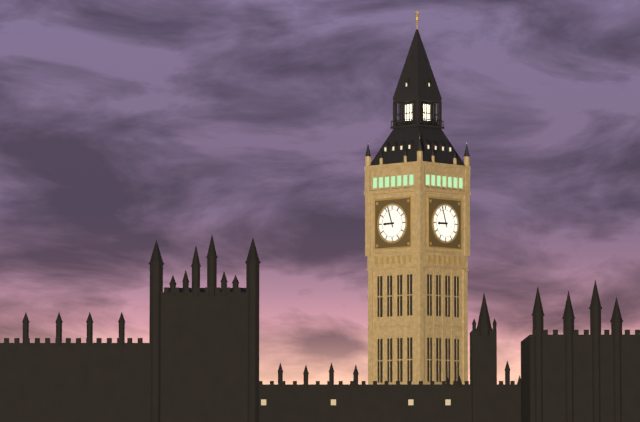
8.57
